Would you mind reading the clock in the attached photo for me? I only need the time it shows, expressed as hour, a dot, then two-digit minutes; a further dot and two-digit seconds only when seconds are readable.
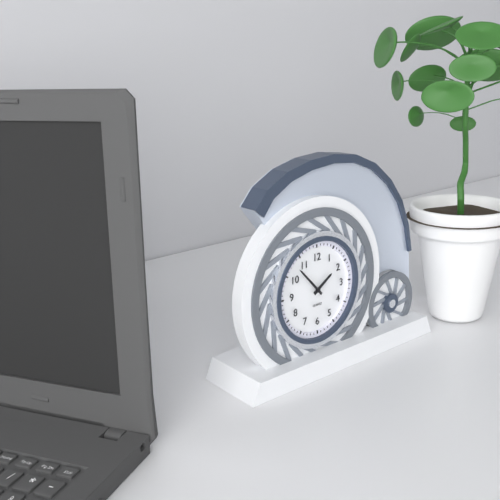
1.53
